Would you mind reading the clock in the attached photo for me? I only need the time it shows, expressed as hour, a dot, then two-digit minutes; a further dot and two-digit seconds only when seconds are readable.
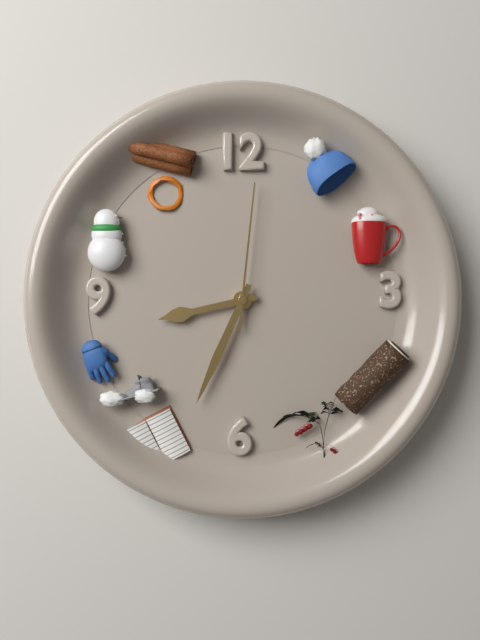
8.34.01
